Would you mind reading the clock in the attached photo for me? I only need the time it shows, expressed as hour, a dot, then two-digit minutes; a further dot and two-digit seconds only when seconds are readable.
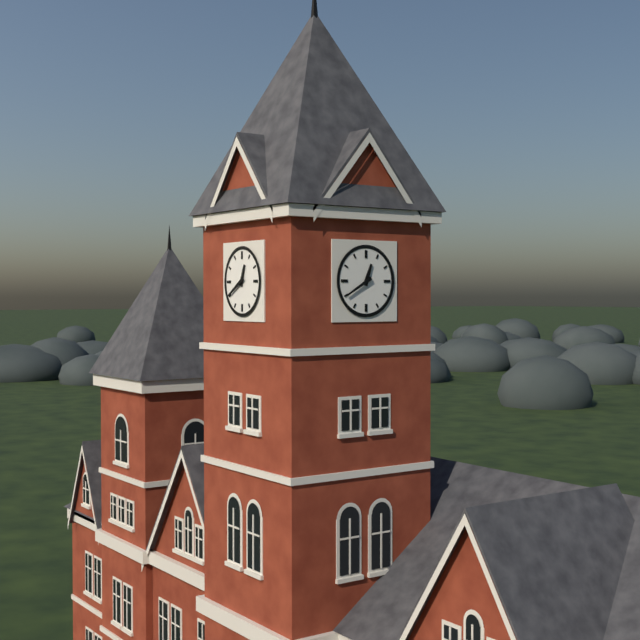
12.40
